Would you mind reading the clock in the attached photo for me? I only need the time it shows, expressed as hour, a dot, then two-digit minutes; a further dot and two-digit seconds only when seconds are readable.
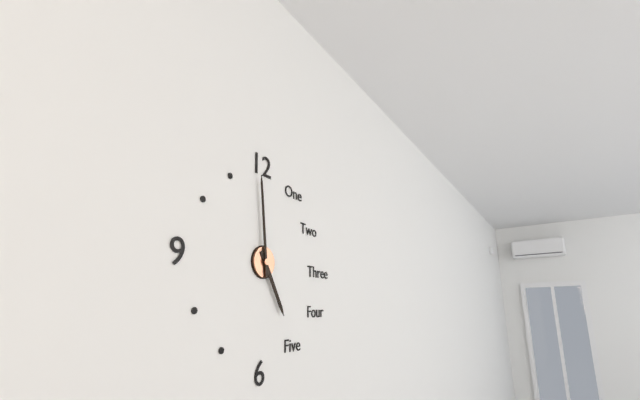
4.59
